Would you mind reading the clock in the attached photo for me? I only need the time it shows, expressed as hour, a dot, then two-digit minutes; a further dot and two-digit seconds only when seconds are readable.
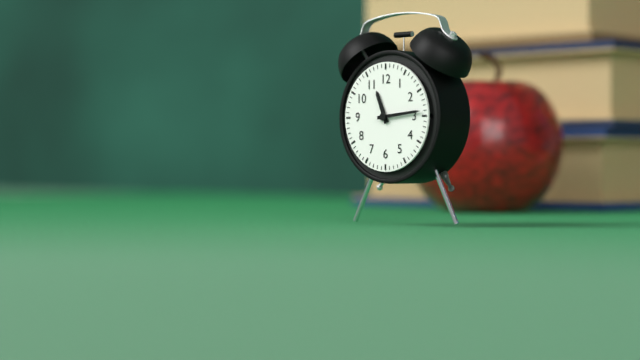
11.14
